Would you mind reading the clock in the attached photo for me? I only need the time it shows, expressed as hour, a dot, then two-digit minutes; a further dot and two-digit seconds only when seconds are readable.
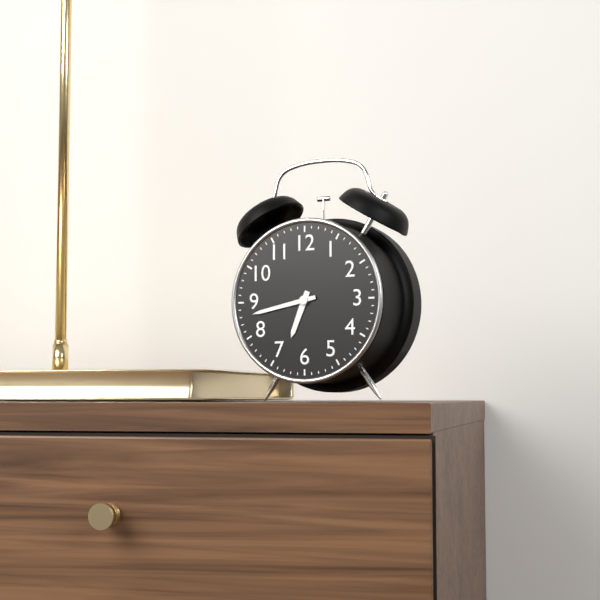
6.43
